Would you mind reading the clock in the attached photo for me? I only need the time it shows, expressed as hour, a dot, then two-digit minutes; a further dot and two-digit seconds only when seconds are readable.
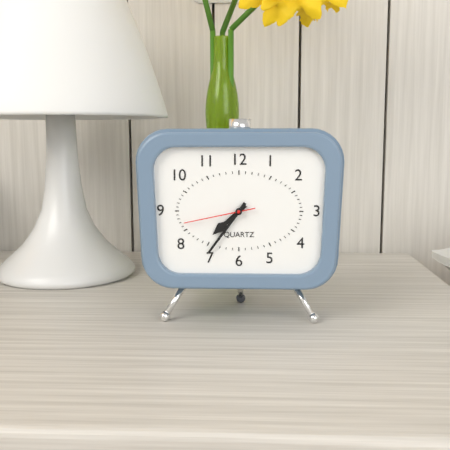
7.36.43
